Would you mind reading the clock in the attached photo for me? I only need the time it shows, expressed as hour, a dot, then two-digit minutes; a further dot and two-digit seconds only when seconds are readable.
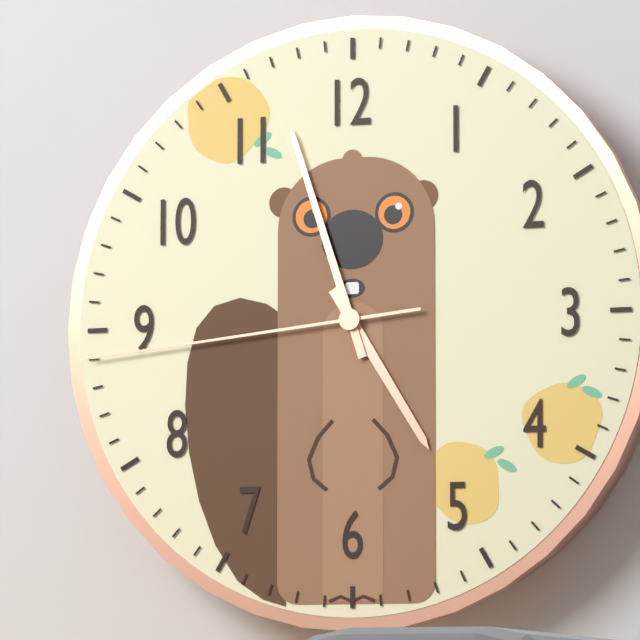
4.57.44
